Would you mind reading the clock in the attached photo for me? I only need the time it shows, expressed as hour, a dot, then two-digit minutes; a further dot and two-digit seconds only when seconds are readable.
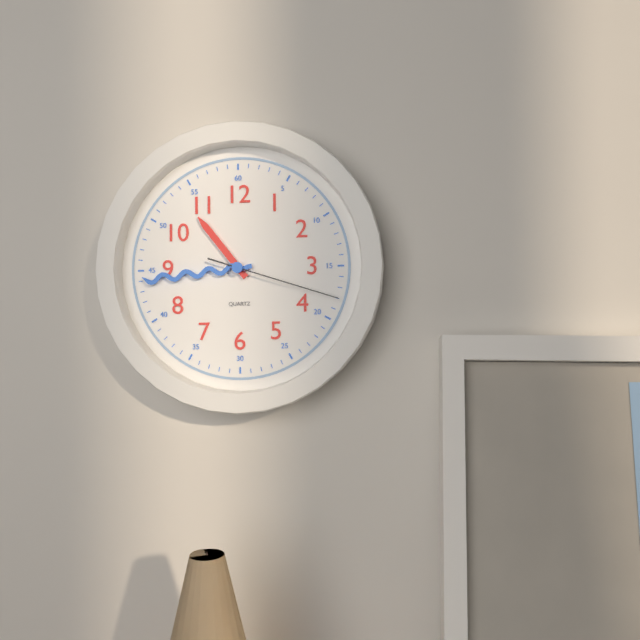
10.44.18
